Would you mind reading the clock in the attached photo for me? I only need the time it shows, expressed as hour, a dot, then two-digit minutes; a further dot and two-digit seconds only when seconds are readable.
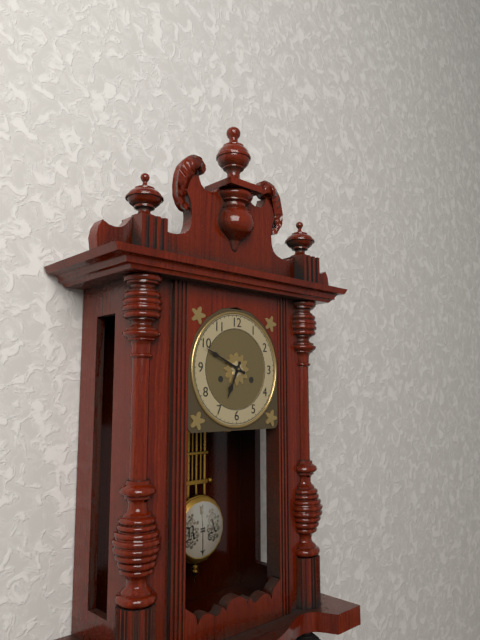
6.49
